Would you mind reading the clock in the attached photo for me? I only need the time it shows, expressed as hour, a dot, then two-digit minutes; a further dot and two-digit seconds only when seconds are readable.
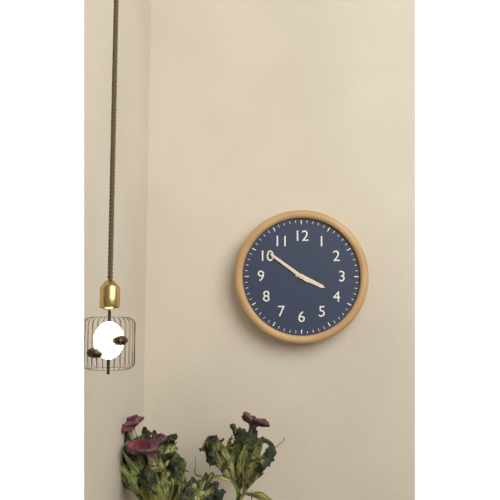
3.51
